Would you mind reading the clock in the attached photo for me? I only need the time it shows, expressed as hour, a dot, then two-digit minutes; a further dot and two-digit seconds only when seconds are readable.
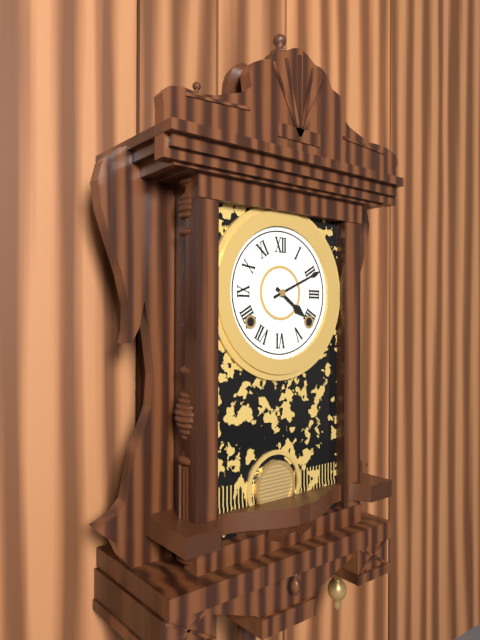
4.11
